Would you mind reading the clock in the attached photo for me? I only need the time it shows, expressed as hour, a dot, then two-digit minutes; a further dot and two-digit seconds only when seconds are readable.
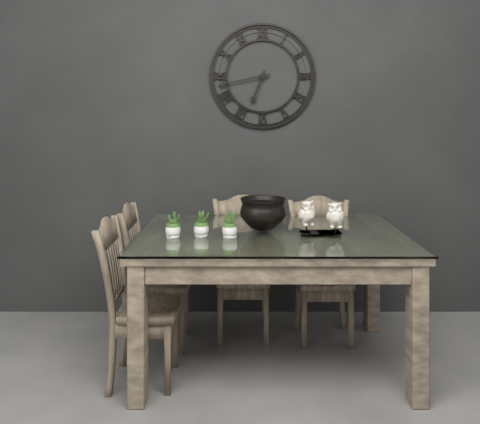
6.43
